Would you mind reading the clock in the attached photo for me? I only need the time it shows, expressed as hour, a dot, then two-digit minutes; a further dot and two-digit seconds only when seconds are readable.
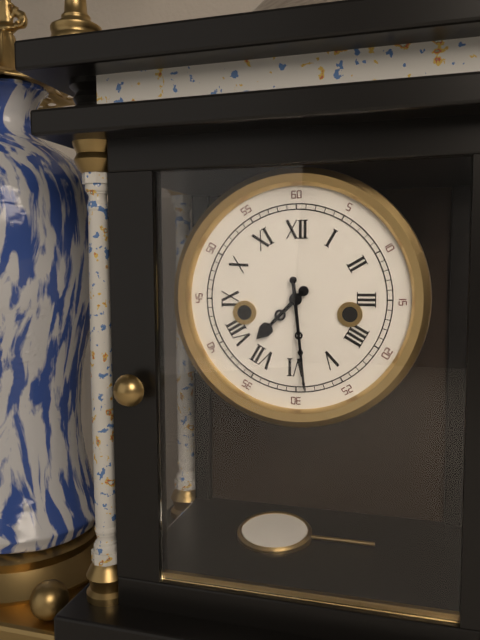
7.29
